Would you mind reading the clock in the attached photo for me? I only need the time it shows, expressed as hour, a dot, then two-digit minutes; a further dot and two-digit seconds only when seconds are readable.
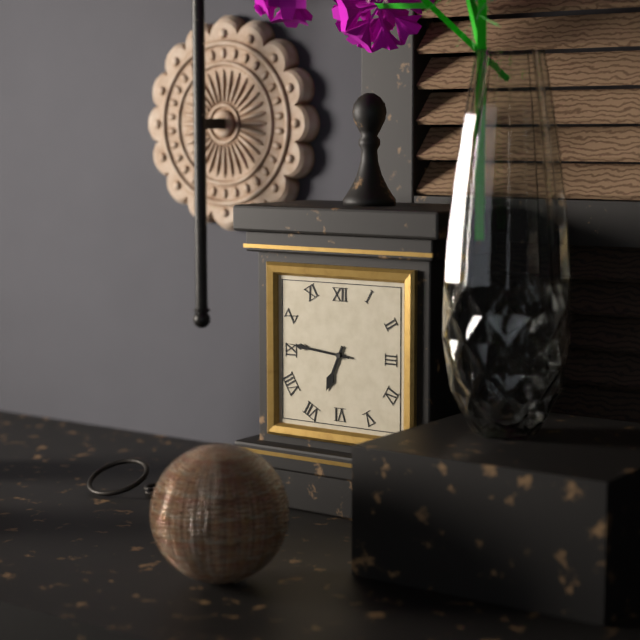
6.46
